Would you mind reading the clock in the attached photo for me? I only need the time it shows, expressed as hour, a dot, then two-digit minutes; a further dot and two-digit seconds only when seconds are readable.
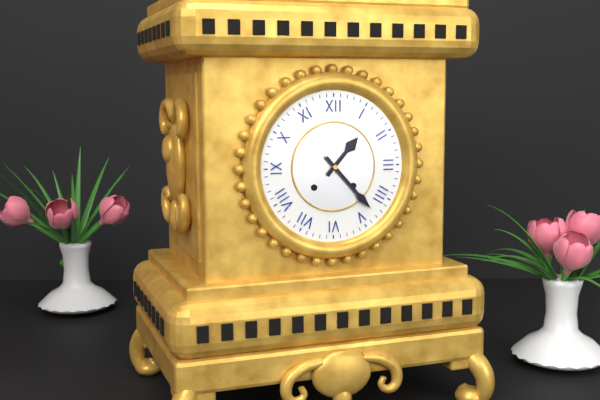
1.23
